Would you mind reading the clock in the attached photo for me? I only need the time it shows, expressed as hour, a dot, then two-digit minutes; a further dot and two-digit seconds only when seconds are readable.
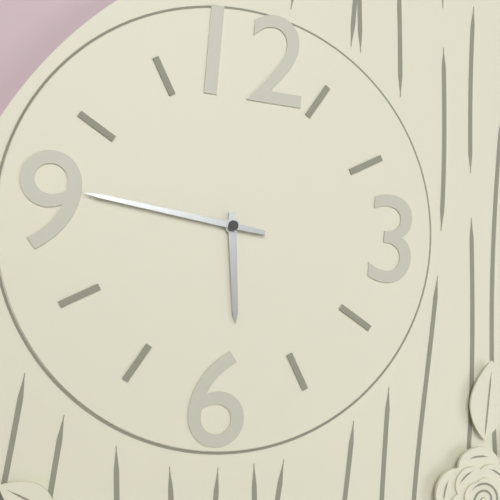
5.46
